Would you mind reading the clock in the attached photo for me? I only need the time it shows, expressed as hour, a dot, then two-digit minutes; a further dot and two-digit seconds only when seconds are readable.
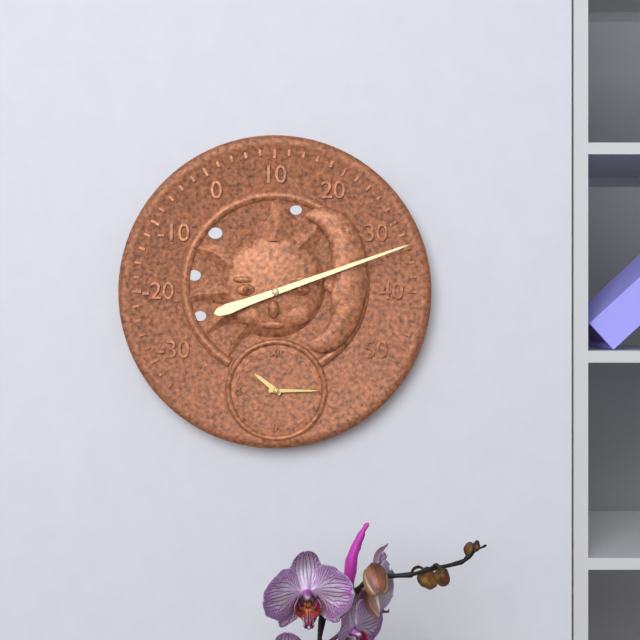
10.15
